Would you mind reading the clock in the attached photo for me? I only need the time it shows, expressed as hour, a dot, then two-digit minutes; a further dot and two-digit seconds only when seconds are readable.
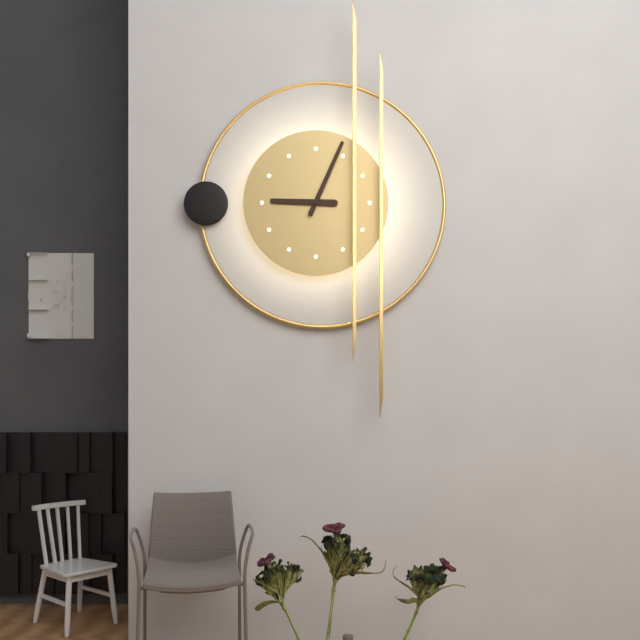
9.04
